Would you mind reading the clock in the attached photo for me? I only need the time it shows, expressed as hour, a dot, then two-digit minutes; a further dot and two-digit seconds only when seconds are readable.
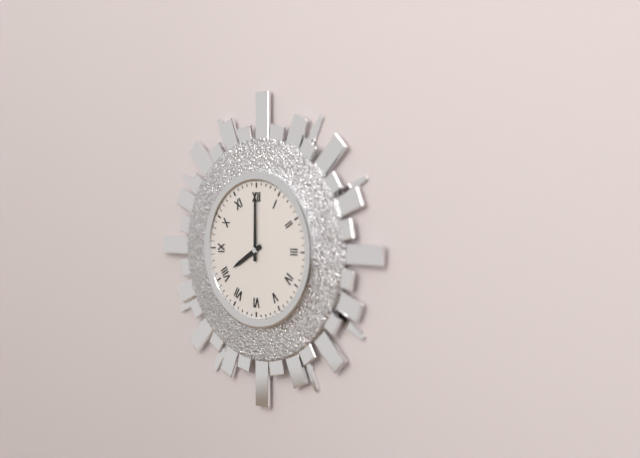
8.00
